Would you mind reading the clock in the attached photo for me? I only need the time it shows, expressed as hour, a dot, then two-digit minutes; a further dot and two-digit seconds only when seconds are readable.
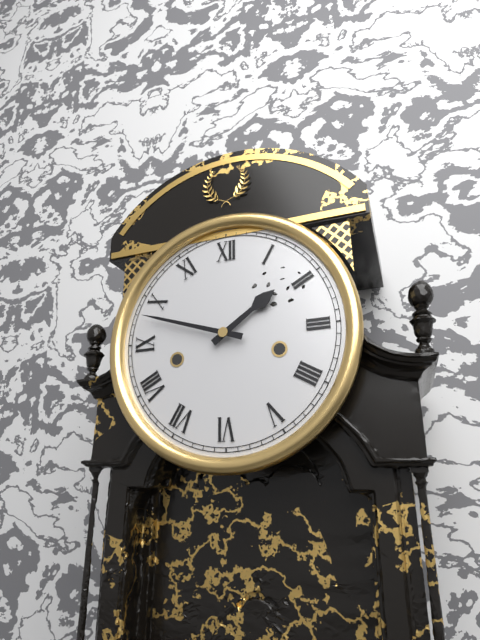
1.48
